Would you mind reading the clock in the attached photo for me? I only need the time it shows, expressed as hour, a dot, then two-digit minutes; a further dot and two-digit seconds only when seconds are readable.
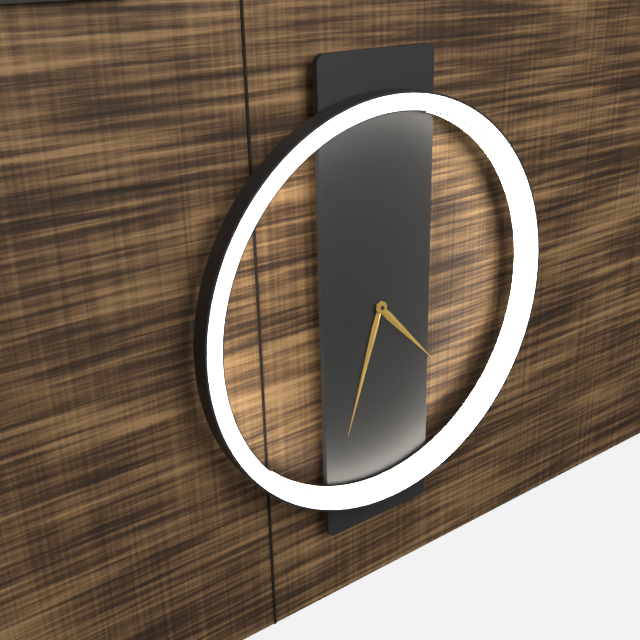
4.33
